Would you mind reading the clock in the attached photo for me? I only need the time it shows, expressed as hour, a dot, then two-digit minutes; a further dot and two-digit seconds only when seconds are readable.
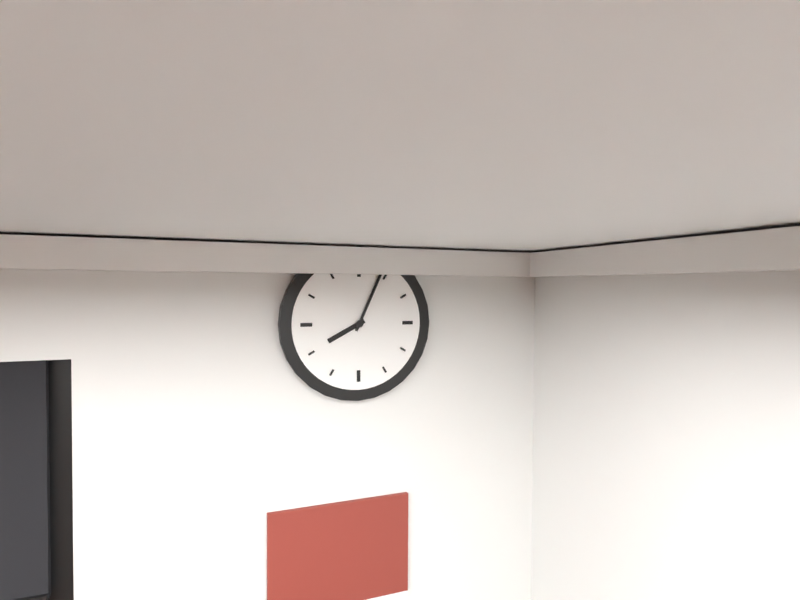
8.04
